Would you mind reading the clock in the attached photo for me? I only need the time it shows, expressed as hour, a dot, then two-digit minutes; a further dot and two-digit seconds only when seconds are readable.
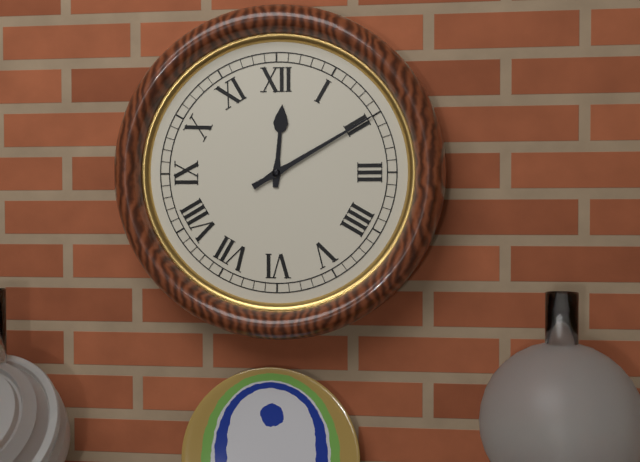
12.10
